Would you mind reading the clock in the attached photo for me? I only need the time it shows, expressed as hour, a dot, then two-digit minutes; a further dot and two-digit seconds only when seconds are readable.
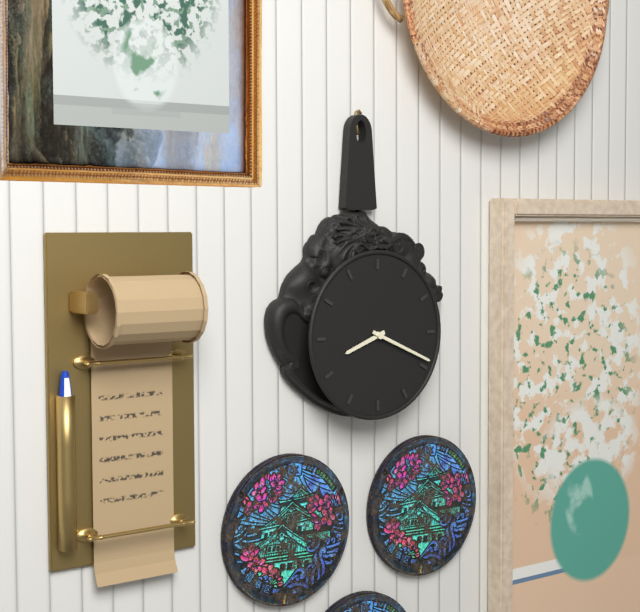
8.19
